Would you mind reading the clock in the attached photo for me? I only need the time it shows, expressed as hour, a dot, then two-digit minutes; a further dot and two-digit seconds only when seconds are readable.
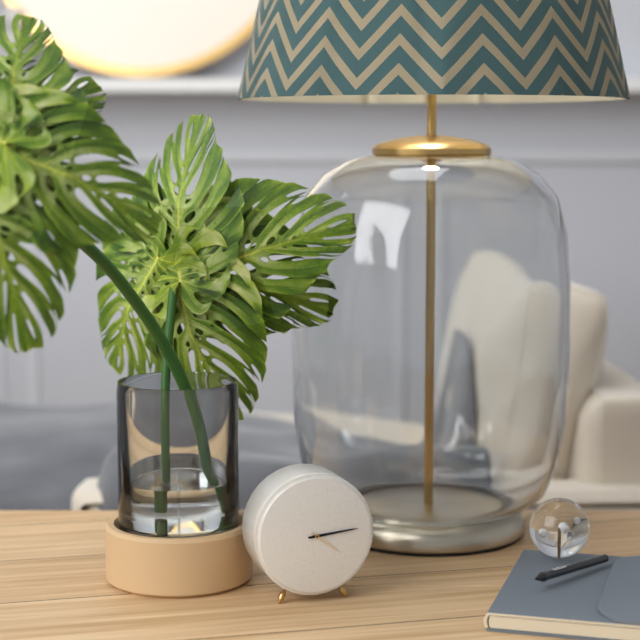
4.14
